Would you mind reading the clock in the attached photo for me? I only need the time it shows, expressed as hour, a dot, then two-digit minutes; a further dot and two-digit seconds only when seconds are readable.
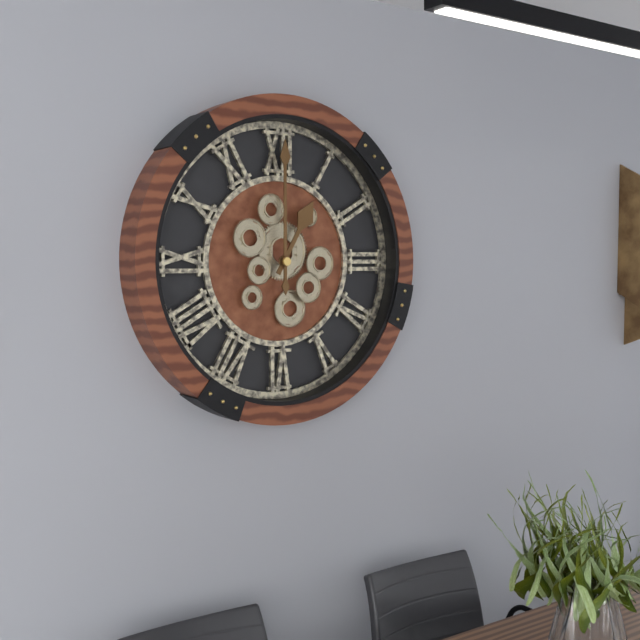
1.00
